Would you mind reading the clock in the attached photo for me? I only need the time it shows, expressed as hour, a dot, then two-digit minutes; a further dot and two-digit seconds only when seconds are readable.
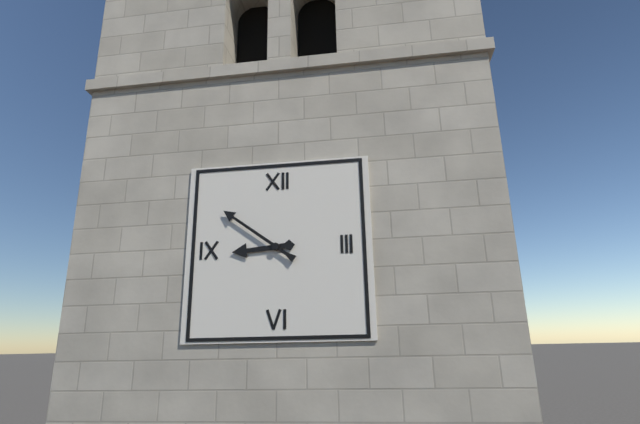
8.51
